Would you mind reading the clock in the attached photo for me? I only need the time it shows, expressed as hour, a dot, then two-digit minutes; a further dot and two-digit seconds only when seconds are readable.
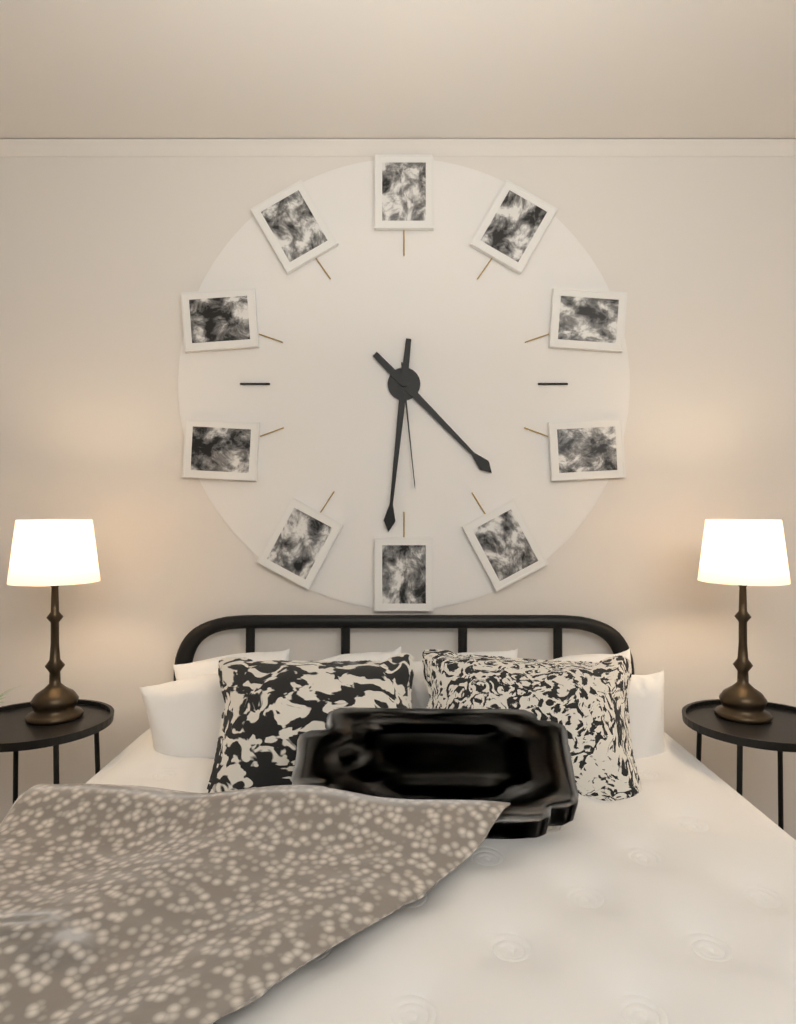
4.31.29
